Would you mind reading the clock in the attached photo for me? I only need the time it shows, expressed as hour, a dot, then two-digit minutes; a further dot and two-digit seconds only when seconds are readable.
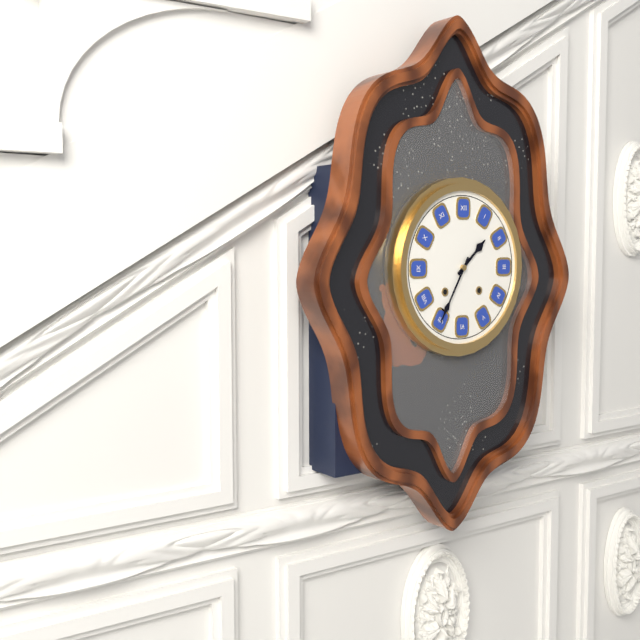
1.35
